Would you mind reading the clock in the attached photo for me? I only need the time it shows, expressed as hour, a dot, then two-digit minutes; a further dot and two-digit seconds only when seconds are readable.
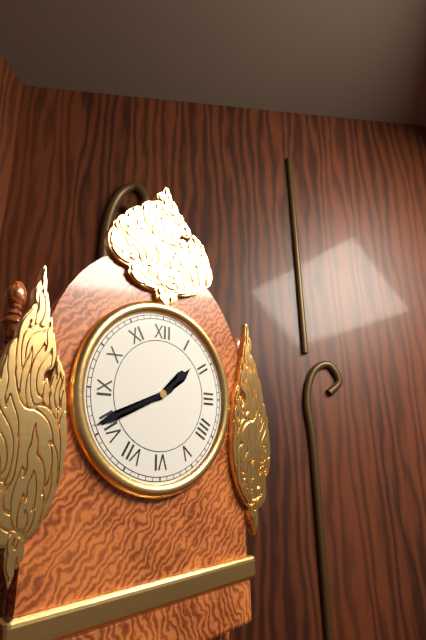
1.41
